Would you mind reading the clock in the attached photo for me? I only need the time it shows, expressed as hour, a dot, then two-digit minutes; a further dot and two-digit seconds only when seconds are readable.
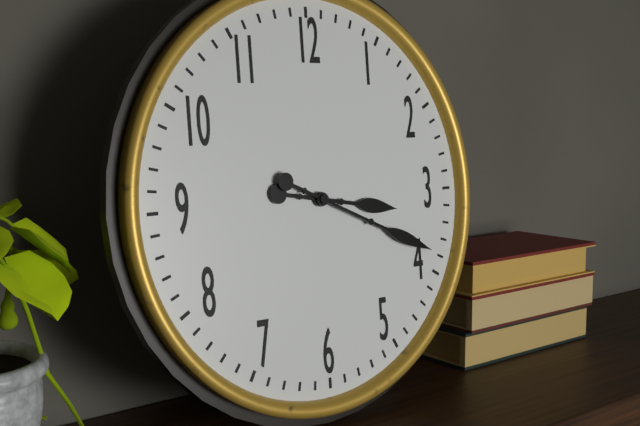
3.19
